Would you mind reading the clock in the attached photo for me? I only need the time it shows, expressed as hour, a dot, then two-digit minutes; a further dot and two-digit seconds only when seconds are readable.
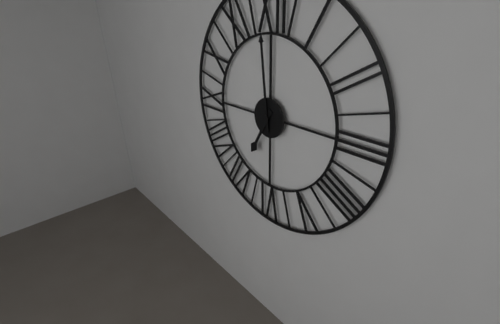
6.59
